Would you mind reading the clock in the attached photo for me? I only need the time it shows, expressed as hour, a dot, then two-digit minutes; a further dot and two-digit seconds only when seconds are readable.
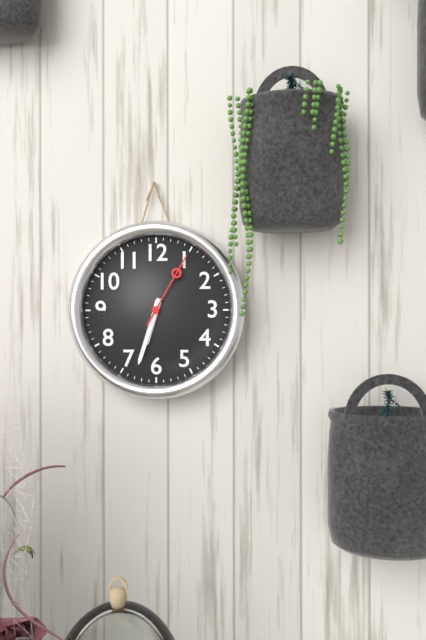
6.33.05
